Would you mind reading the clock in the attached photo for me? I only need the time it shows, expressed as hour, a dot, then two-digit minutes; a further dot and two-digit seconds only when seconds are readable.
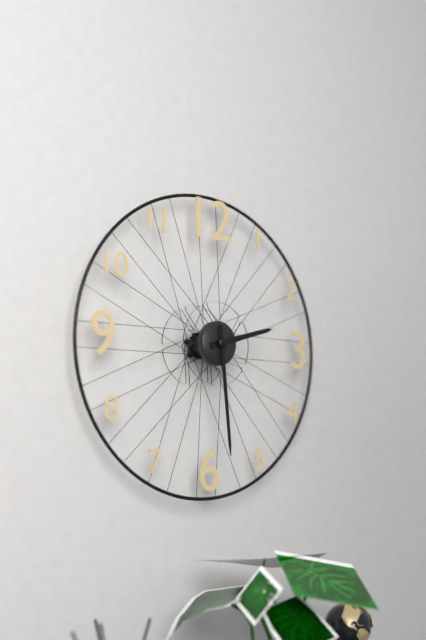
2.29
